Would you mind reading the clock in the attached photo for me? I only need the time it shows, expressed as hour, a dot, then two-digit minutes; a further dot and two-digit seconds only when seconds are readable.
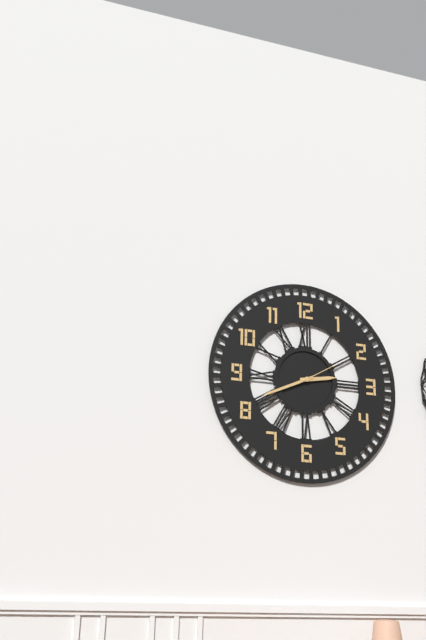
2.41
